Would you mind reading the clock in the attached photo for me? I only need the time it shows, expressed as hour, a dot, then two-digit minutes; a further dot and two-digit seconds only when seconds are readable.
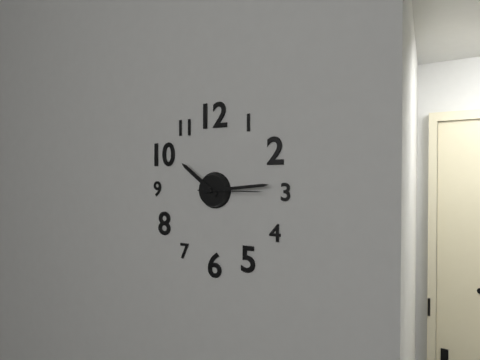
10.14.15
